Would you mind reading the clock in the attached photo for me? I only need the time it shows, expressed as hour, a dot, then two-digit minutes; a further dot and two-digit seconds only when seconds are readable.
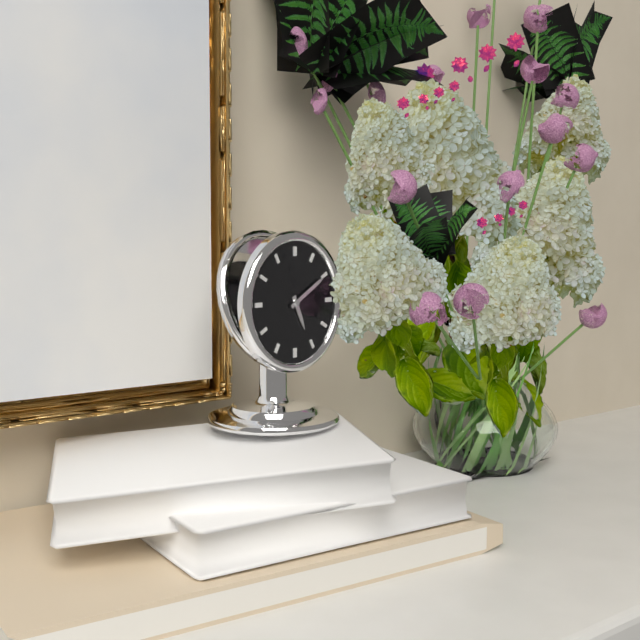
5.10
